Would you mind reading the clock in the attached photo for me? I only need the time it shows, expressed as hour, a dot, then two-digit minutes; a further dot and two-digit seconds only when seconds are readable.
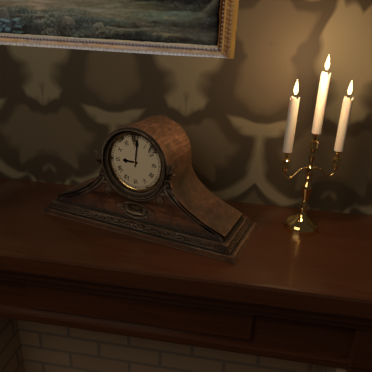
9.01
